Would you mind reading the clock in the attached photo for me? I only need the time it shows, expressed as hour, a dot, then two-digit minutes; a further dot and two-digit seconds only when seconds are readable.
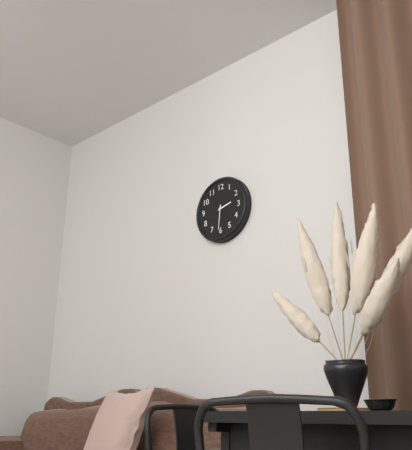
2.31
